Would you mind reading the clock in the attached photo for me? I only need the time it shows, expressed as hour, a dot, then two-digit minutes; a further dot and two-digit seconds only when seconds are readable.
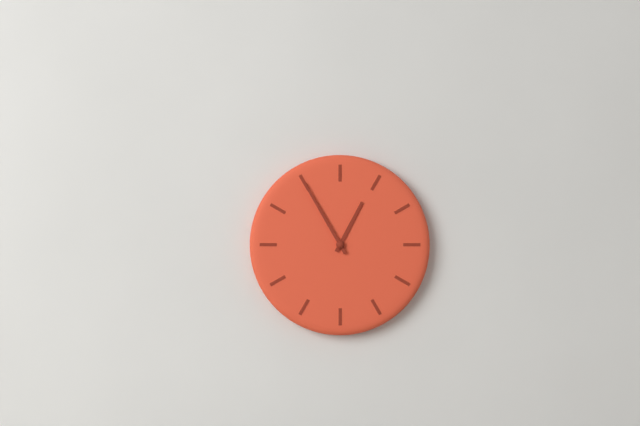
12.55
